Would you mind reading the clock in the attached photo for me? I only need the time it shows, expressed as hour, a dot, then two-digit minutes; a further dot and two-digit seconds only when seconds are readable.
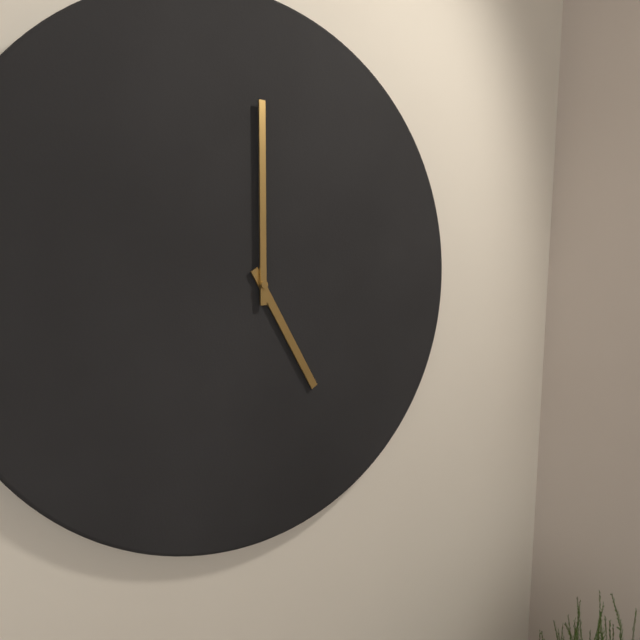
5.00
